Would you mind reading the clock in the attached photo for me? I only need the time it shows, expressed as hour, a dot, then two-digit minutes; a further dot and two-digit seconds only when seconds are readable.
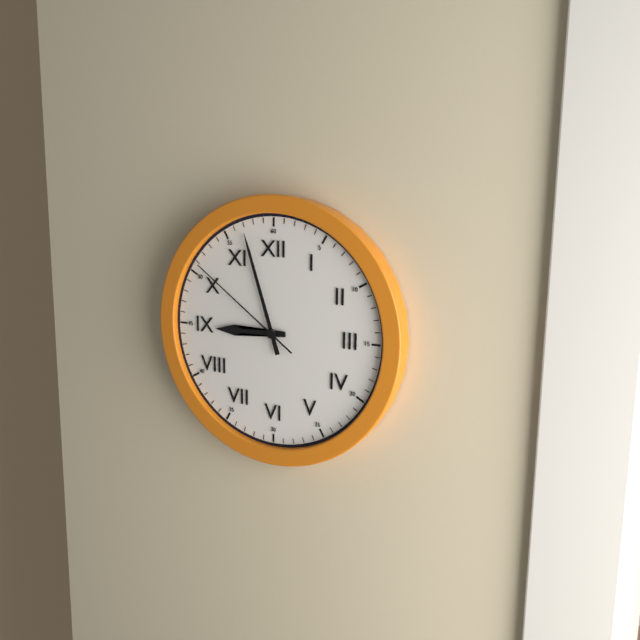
8.57.51
